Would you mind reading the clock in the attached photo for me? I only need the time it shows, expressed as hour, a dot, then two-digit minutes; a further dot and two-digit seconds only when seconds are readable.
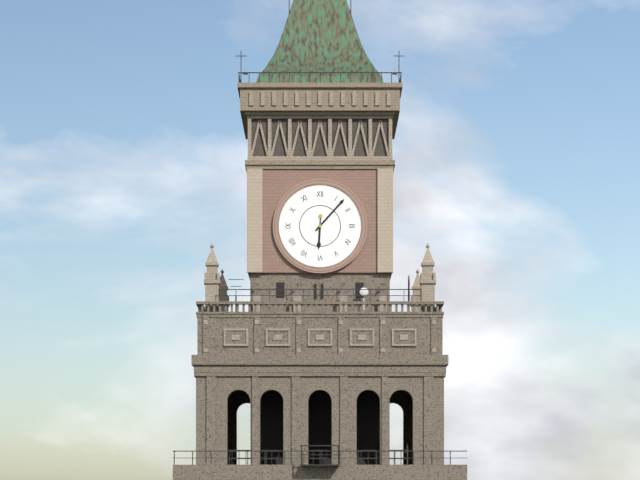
6.07
